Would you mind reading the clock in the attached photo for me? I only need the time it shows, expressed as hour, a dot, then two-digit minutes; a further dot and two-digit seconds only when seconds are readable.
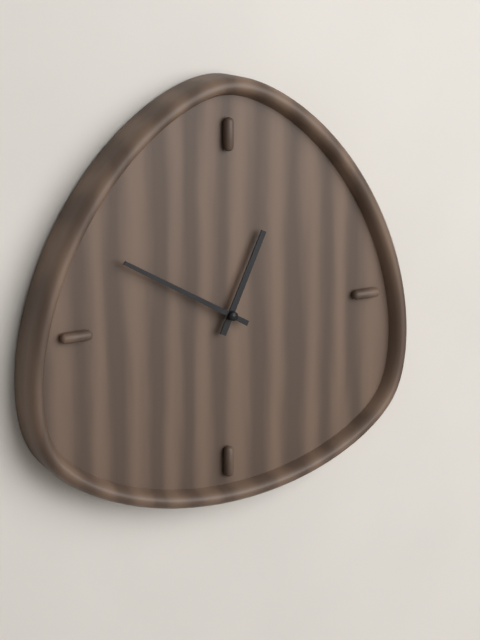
12.50
